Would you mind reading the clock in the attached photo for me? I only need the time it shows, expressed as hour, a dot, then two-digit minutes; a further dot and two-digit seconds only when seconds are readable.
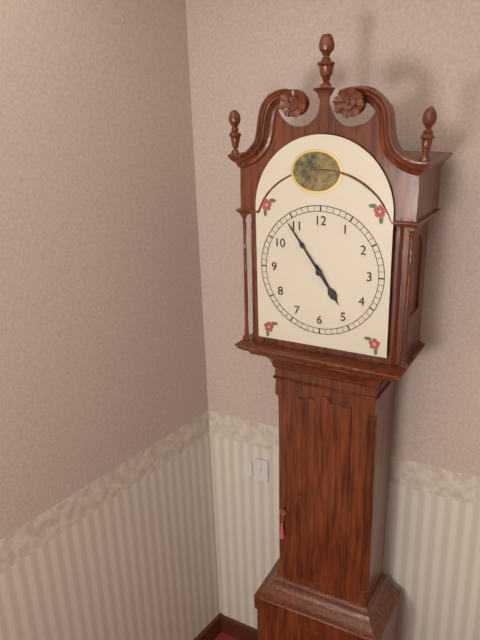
4.54
